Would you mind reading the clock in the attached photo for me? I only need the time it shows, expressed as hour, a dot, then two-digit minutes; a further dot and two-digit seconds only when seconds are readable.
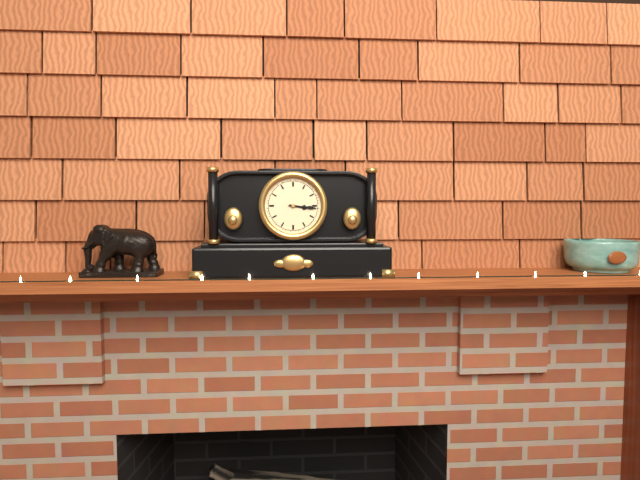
3.16
